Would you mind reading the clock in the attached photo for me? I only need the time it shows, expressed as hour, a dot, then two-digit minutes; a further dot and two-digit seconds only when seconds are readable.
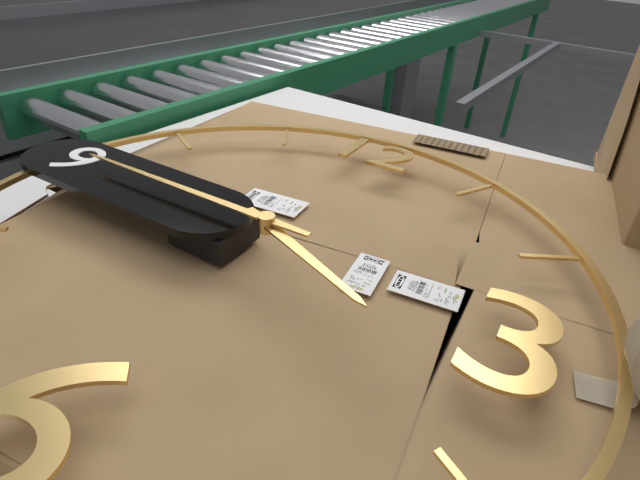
3.45
